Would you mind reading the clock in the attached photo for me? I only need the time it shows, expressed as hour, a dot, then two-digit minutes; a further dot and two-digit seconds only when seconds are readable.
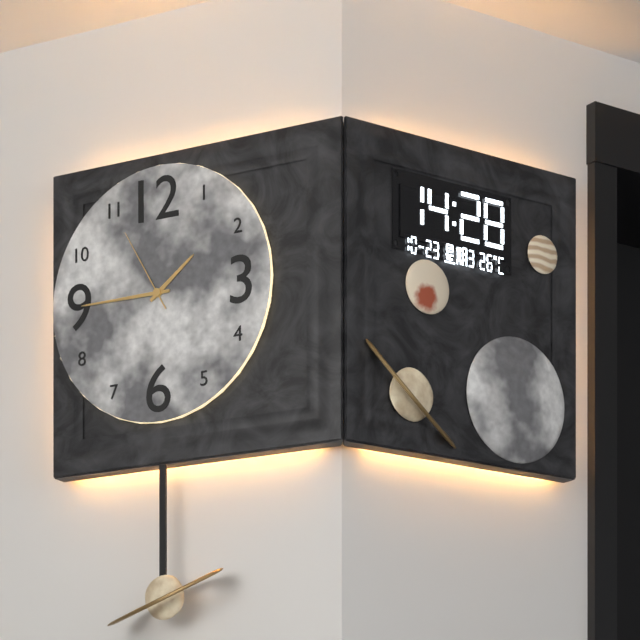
1.45.55
